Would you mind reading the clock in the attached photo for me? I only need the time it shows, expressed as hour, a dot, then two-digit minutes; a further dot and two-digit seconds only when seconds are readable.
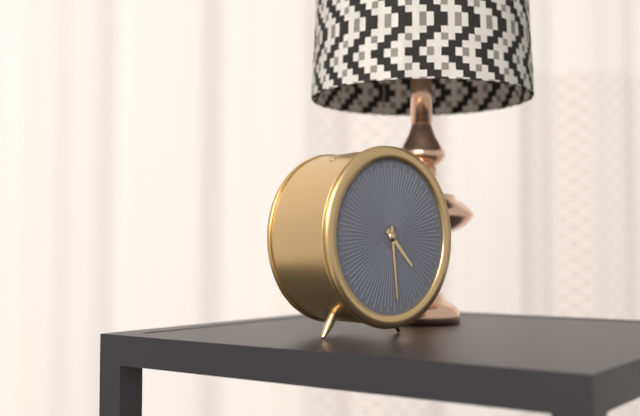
4.29
